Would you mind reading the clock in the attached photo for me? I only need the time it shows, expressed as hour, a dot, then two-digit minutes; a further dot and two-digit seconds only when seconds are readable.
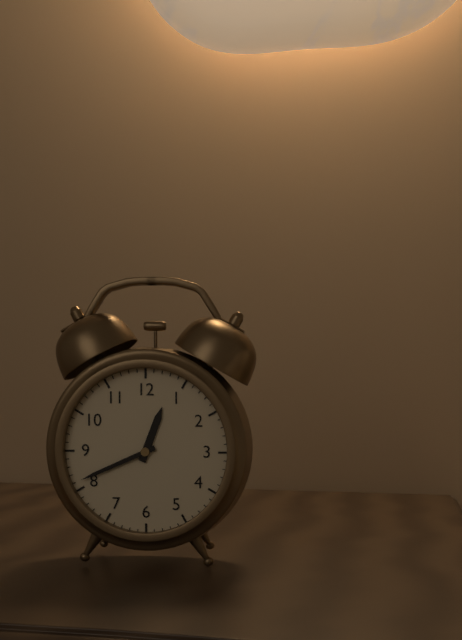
12.41
